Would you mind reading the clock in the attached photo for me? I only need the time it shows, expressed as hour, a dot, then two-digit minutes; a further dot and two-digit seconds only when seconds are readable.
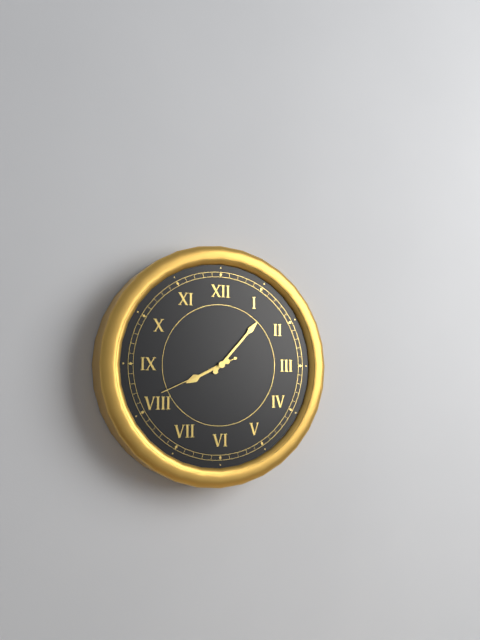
8.07.41
